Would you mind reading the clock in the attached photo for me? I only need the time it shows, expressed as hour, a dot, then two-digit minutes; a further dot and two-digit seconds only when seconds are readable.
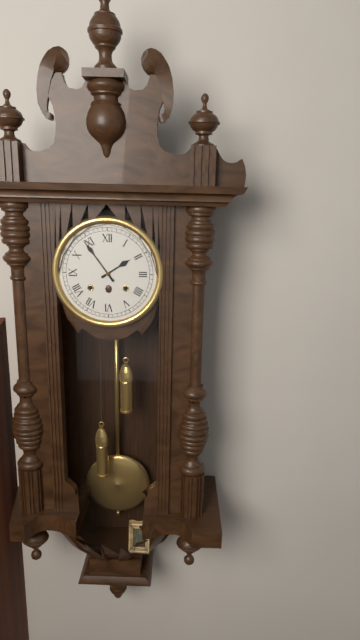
1.54
